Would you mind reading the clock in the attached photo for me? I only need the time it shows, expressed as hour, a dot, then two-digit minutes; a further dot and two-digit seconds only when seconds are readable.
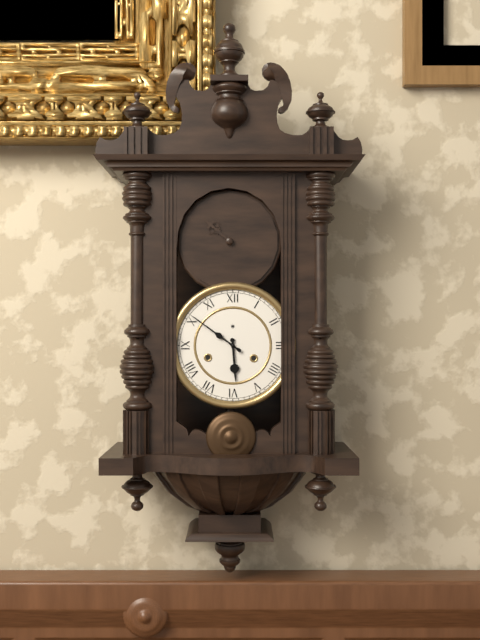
5.51
